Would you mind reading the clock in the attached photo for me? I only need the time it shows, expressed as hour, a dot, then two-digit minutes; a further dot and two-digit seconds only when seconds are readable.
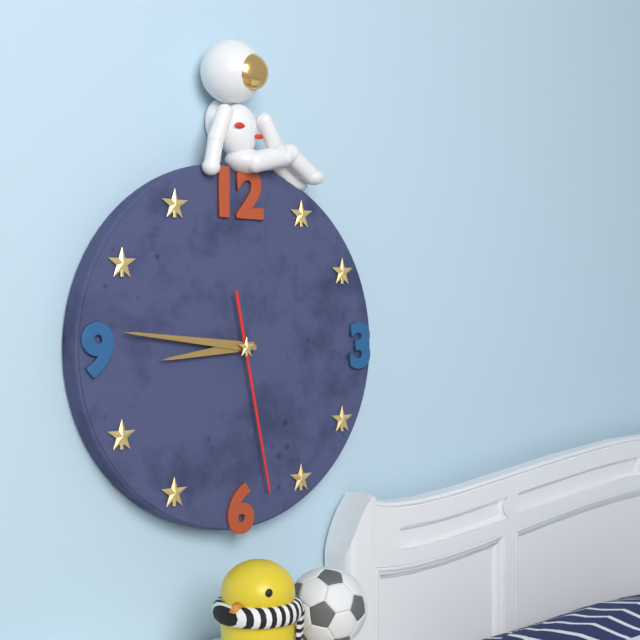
8.46.28
